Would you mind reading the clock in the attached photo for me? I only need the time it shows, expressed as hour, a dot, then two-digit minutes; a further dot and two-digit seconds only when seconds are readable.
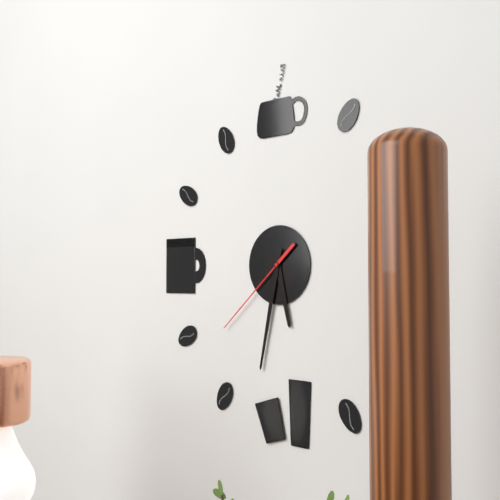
5.32.38
